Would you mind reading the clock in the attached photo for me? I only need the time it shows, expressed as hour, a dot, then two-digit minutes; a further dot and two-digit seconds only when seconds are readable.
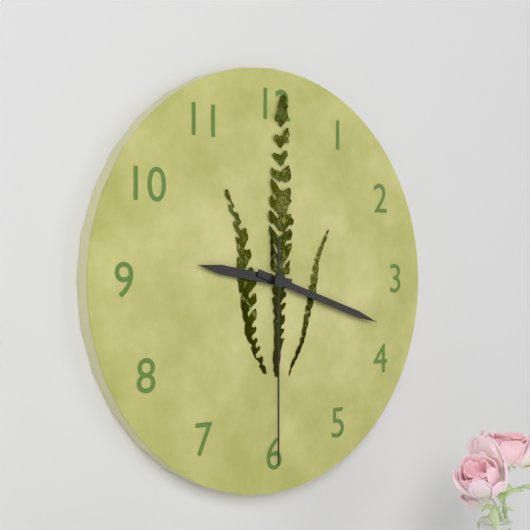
9.18.30
